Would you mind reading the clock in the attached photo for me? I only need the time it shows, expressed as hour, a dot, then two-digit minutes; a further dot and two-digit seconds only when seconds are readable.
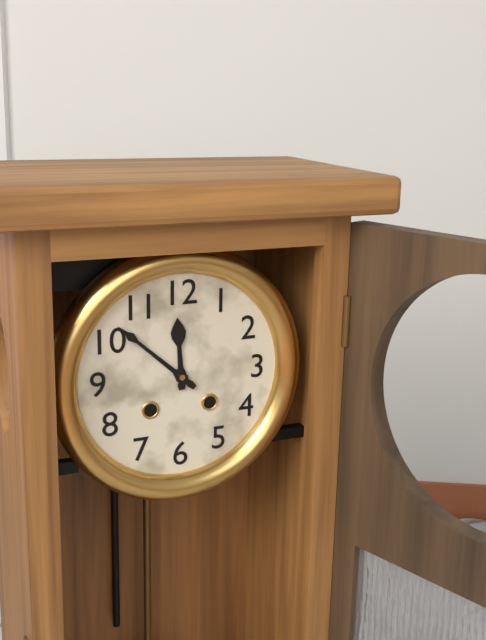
11.52
